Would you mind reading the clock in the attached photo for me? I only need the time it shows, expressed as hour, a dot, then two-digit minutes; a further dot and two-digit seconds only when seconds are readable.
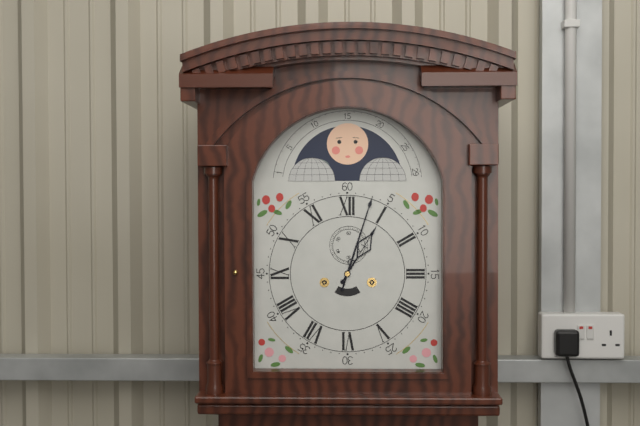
1.03
